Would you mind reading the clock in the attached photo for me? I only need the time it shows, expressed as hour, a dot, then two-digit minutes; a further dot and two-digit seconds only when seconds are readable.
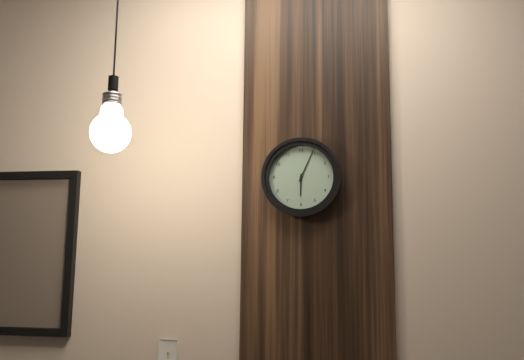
6.04
